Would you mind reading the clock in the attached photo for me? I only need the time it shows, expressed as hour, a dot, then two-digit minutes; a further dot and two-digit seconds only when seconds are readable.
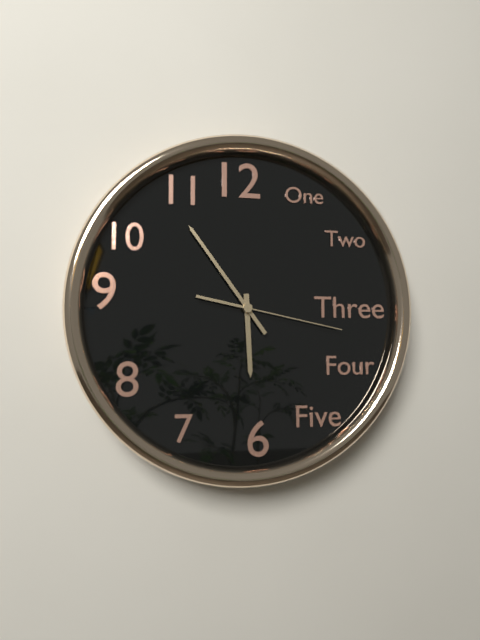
5.54.17
